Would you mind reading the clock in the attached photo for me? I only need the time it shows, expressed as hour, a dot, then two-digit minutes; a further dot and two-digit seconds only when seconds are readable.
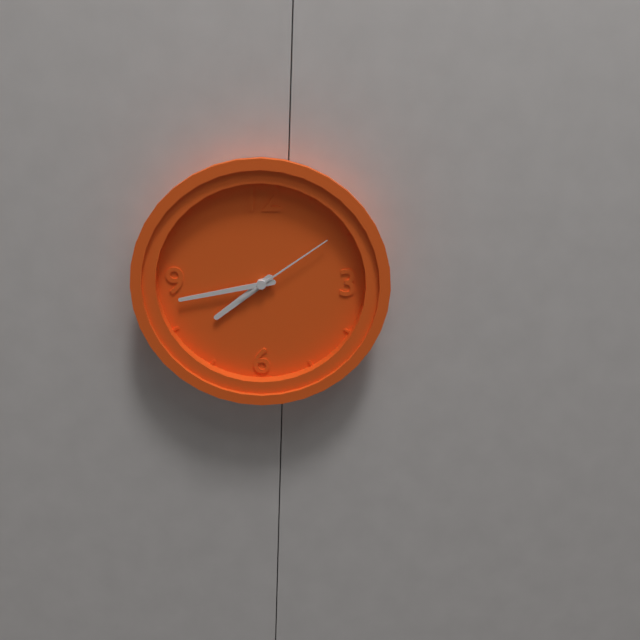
7.43.09
